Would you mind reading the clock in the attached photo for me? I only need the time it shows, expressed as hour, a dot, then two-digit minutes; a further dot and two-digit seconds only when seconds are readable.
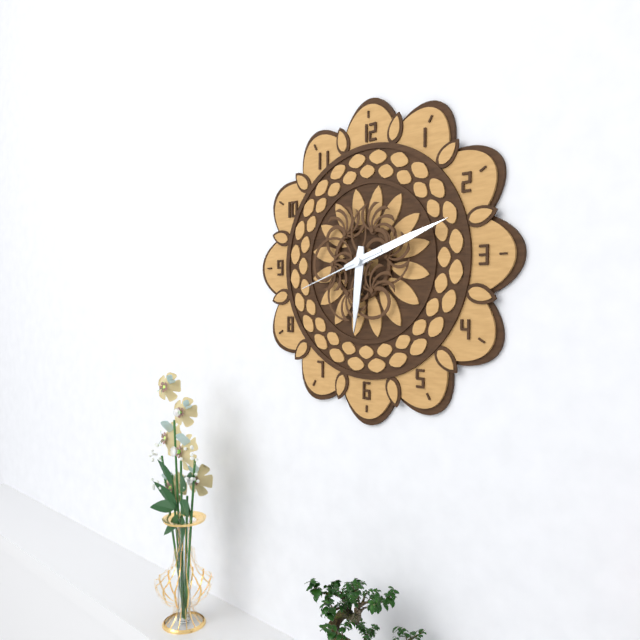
6.12.42
